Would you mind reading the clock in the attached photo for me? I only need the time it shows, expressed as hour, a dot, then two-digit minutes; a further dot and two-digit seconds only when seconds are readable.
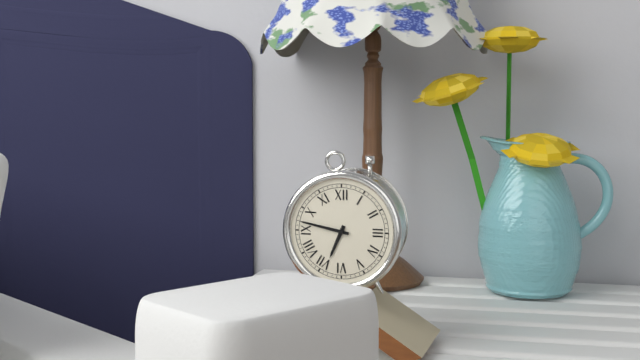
6.47
